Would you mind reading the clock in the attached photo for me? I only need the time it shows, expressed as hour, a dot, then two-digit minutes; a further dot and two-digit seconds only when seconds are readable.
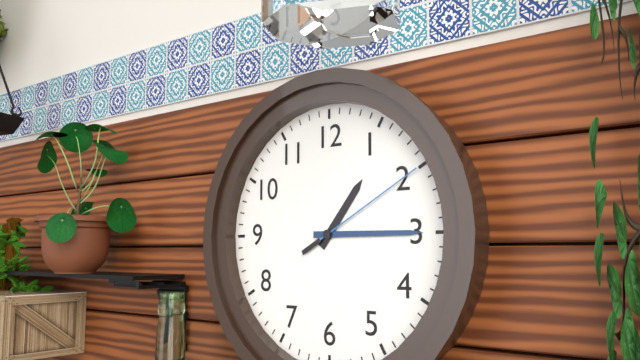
1.15.10
